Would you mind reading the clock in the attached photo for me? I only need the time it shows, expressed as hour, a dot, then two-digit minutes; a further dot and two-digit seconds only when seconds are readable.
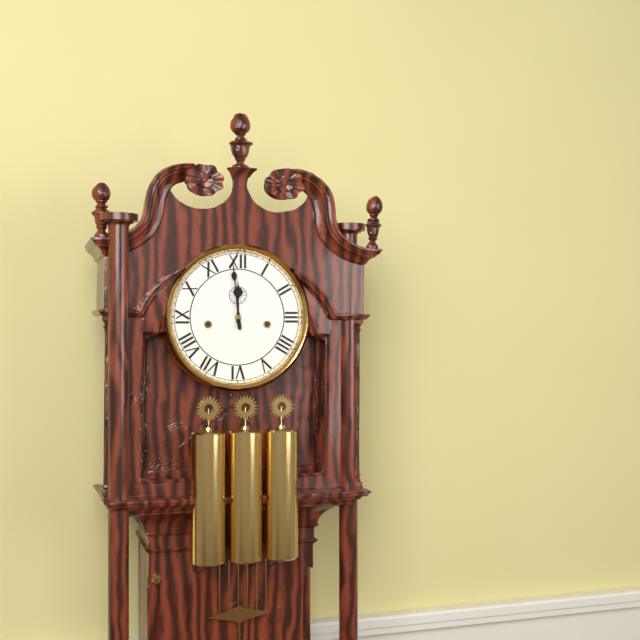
11.59
